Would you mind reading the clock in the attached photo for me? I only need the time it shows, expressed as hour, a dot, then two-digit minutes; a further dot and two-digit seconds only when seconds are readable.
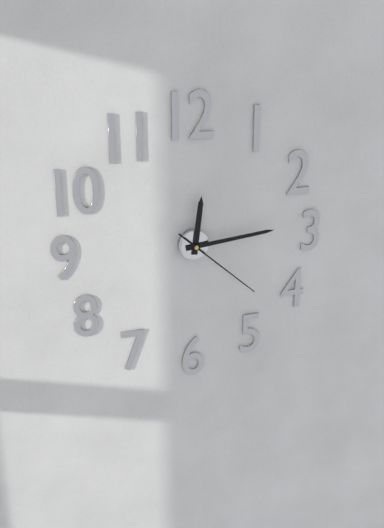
12.14.22
